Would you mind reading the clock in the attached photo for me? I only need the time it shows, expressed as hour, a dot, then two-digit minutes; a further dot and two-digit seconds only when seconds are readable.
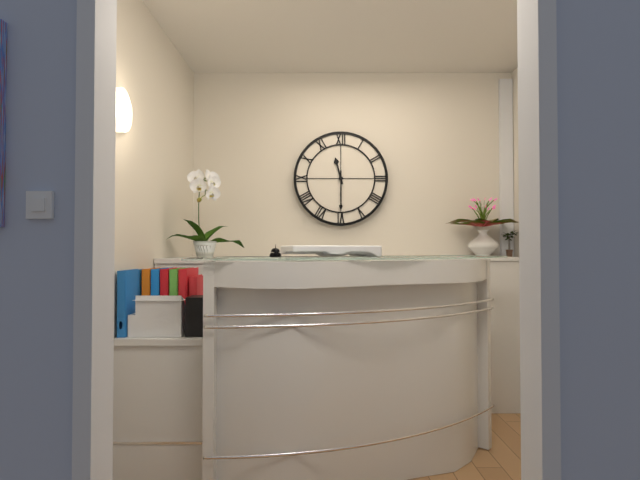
11.30
